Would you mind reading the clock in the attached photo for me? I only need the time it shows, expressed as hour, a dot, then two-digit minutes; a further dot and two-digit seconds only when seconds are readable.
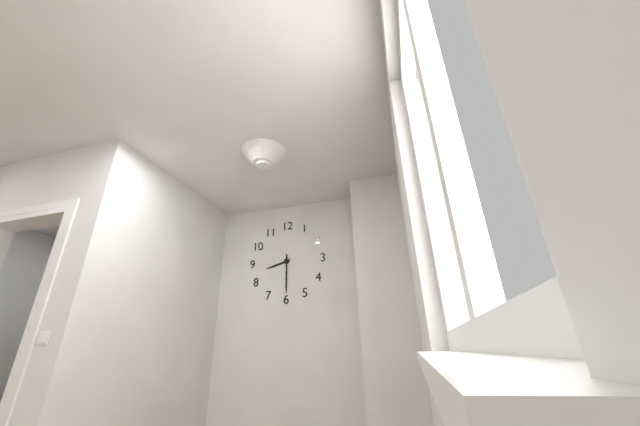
8.30
